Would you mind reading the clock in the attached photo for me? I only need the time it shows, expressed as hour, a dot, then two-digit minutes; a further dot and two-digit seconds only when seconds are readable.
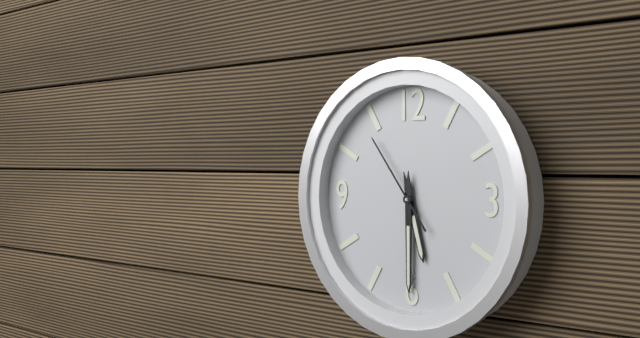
5.30.54
